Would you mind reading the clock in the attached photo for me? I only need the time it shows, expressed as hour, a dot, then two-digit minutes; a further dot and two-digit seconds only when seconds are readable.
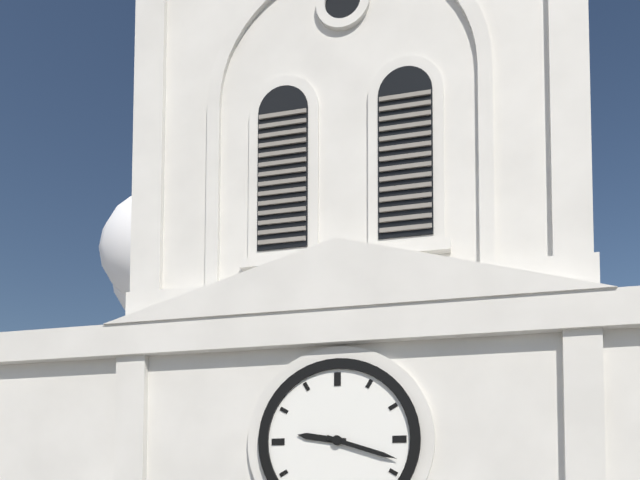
9.18
